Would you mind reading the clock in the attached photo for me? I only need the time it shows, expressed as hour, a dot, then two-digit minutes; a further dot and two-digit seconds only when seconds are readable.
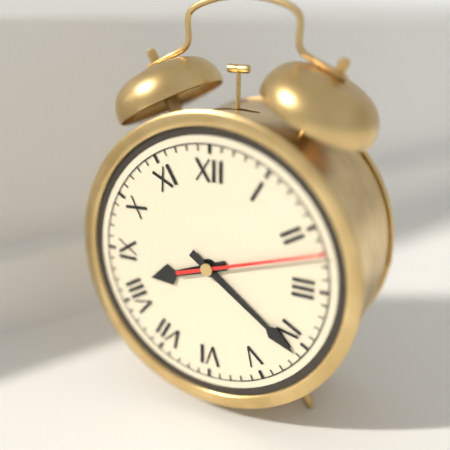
8.21.12
